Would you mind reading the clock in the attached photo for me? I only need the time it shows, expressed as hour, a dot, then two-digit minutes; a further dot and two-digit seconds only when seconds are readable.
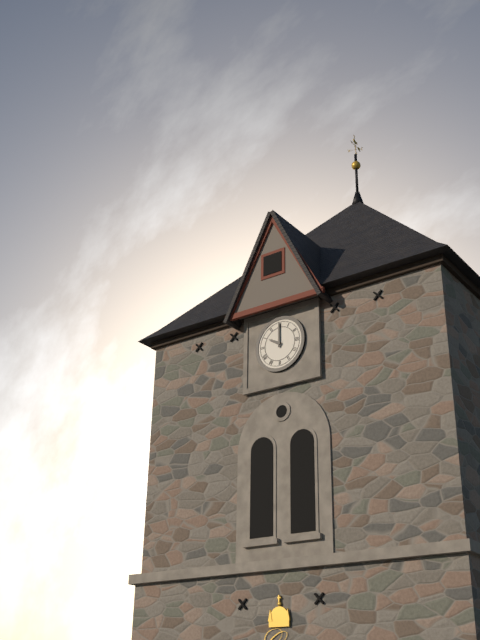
10.00
